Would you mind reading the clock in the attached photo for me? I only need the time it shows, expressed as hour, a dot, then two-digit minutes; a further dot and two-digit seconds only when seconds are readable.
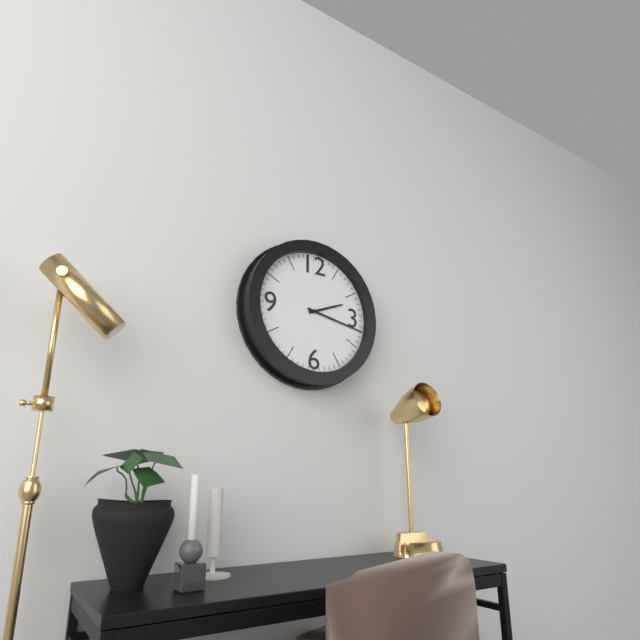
2.17
